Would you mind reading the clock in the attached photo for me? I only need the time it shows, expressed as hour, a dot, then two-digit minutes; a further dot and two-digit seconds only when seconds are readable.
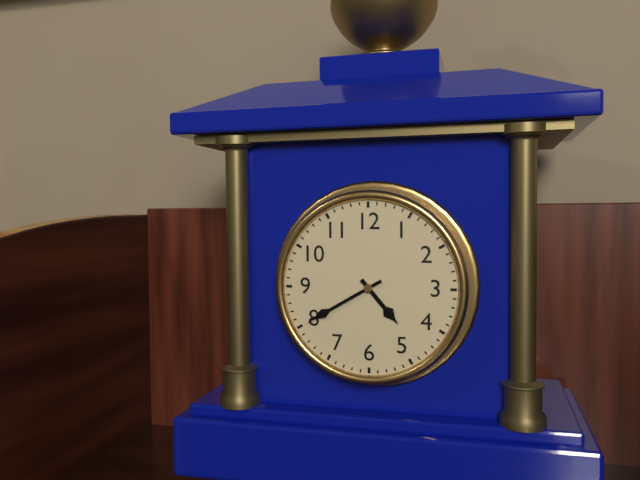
4.40
